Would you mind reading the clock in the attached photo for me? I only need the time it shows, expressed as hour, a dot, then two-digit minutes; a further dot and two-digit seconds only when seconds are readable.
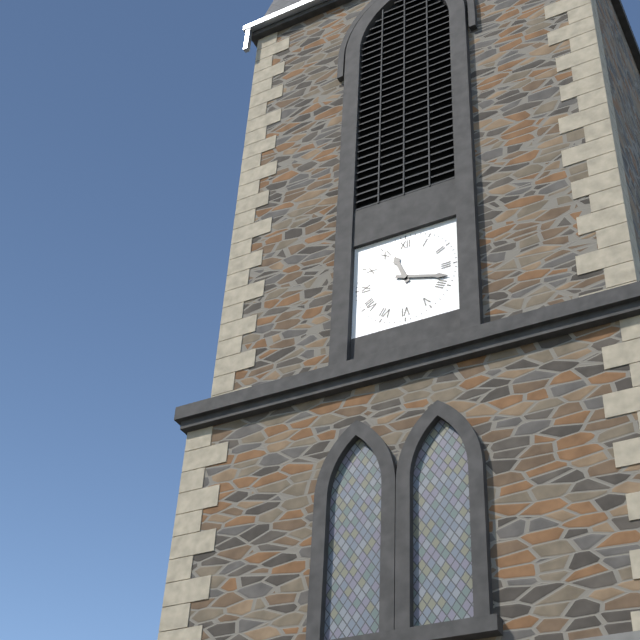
11.18
